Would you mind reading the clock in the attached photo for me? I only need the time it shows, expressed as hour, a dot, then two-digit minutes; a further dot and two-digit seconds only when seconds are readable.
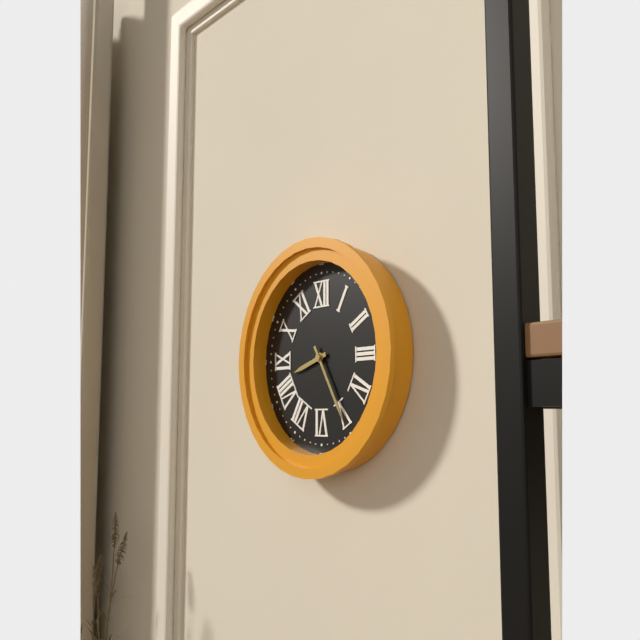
8.25
